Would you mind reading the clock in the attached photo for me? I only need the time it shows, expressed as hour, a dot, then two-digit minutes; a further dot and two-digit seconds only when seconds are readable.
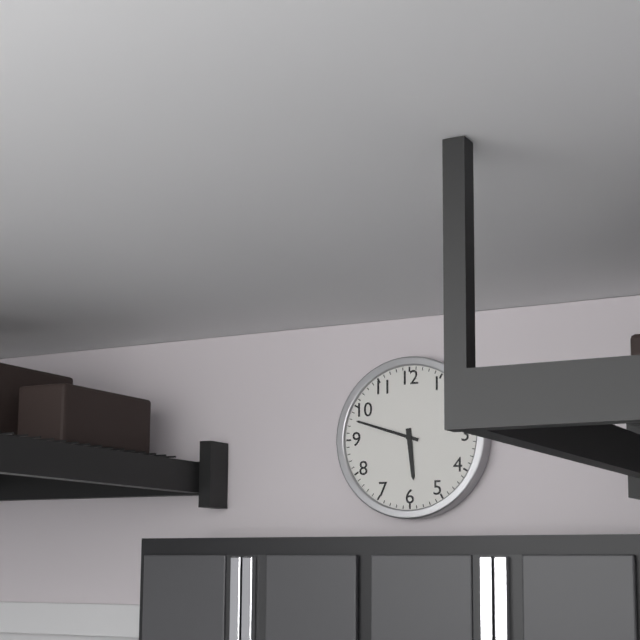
5.48
